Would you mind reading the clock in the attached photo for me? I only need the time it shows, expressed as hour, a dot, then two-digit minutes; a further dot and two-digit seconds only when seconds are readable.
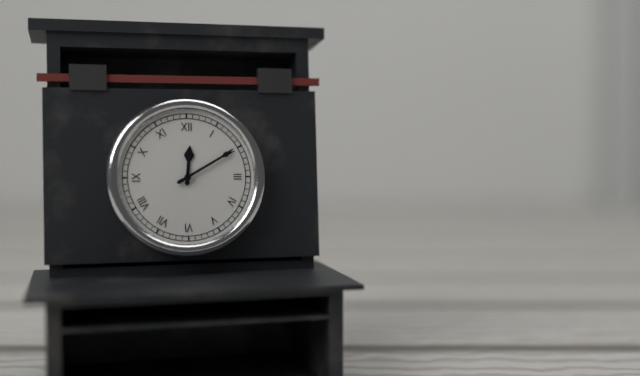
12.10
